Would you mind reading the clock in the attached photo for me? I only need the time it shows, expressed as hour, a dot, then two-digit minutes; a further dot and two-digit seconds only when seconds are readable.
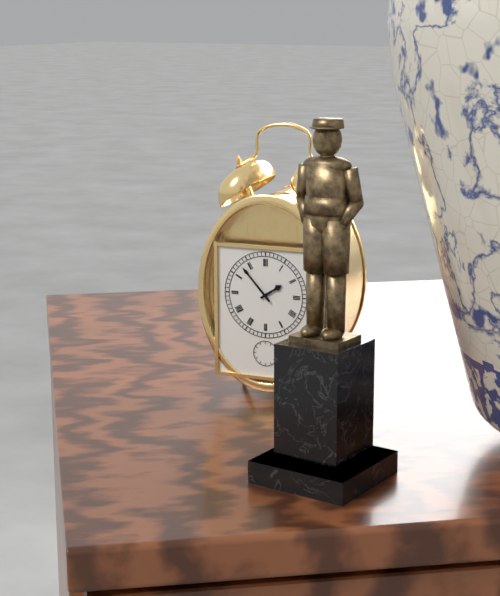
1.53
